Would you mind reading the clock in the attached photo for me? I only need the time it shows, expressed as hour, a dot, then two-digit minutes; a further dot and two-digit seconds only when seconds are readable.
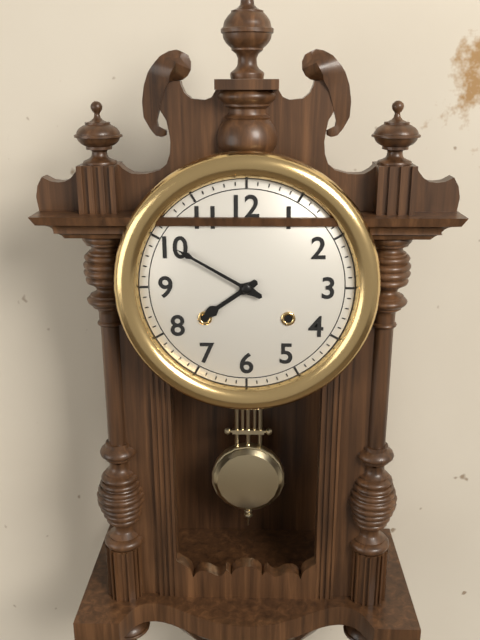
7.50
